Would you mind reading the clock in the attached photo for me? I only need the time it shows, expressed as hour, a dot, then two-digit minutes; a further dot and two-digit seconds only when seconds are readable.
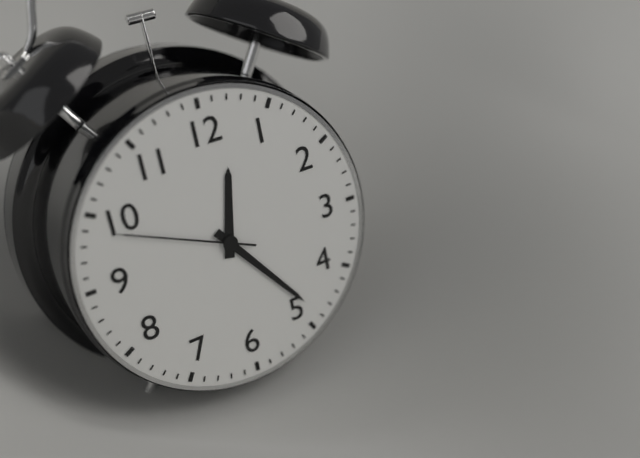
12.24.49
